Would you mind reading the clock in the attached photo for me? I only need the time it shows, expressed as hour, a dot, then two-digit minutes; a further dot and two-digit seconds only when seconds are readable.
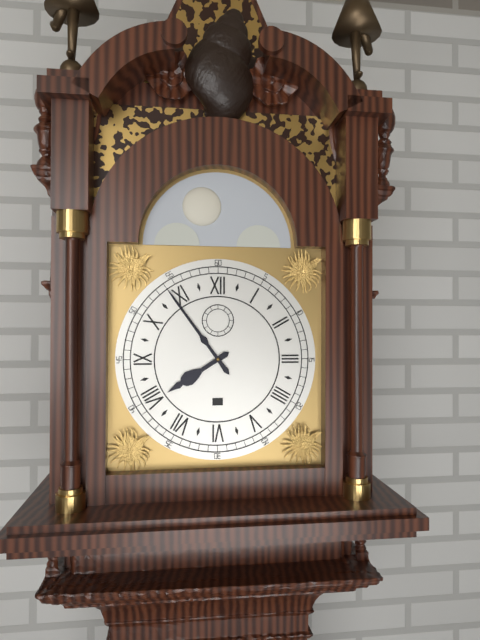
7.54
